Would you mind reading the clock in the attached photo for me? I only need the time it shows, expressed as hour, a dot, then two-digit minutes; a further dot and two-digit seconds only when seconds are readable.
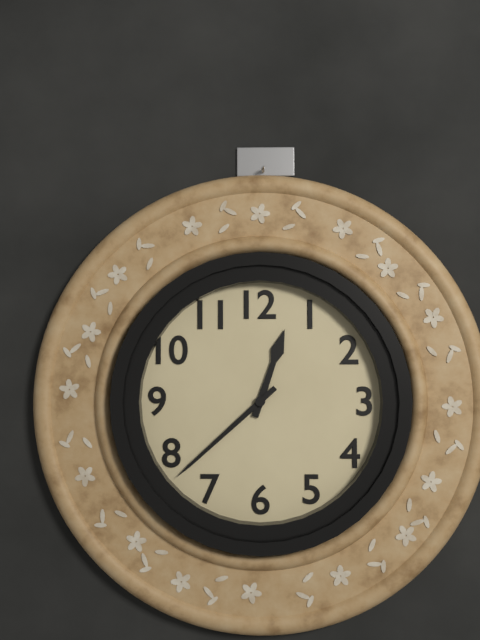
12.38
